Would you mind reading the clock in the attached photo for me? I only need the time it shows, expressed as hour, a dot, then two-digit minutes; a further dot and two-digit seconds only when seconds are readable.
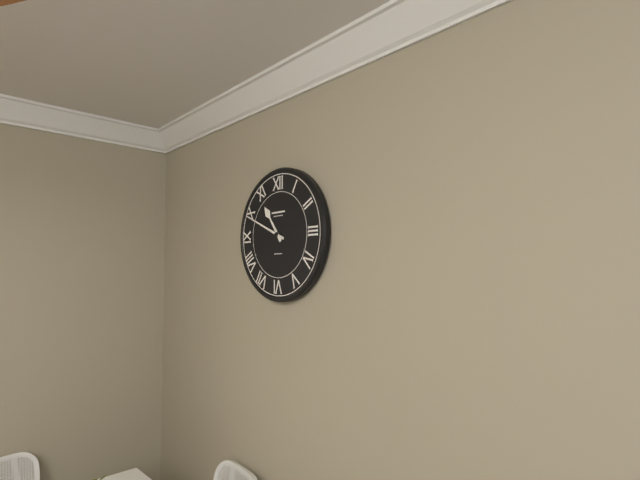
10.49
